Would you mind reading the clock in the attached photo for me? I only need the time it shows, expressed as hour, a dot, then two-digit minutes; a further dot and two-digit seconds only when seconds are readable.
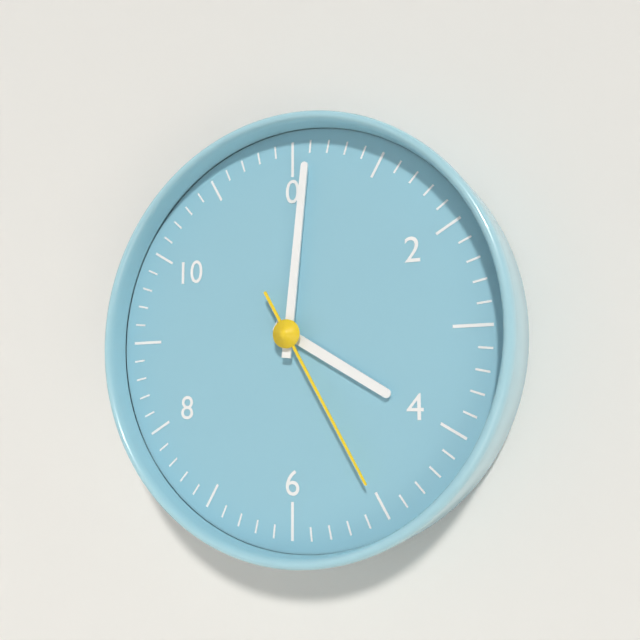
4.01.25
